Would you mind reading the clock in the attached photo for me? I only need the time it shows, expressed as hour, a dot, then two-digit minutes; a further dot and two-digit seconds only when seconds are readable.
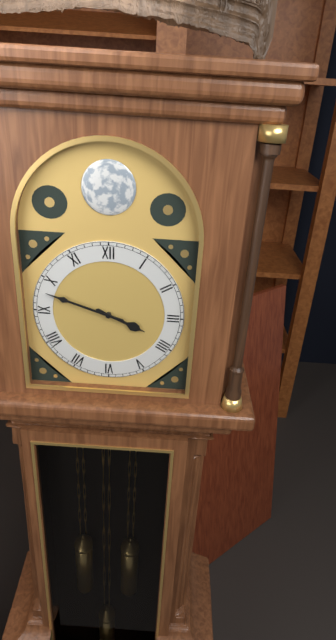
3.48
